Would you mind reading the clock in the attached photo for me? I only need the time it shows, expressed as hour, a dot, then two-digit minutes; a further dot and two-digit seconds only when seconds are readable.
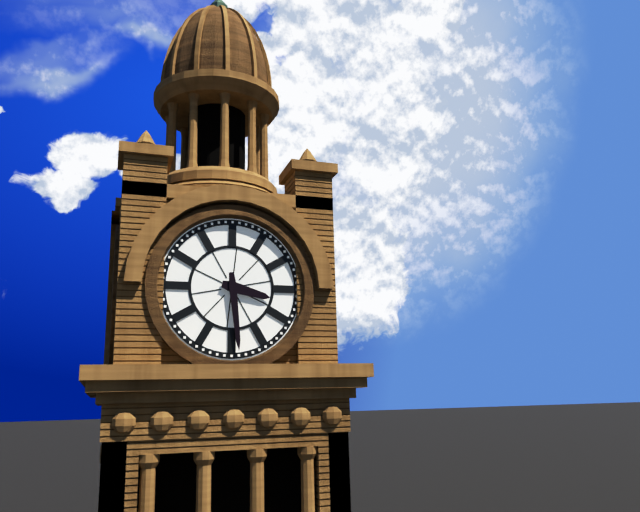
3.29
